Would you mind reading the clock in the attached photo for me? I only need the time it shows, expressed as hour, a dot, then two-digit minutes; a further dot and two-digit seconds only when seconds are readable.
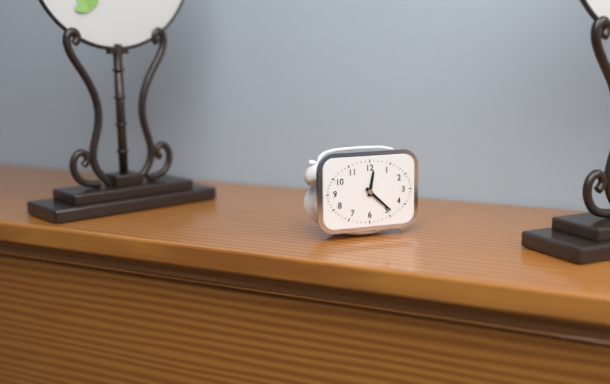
12.22
